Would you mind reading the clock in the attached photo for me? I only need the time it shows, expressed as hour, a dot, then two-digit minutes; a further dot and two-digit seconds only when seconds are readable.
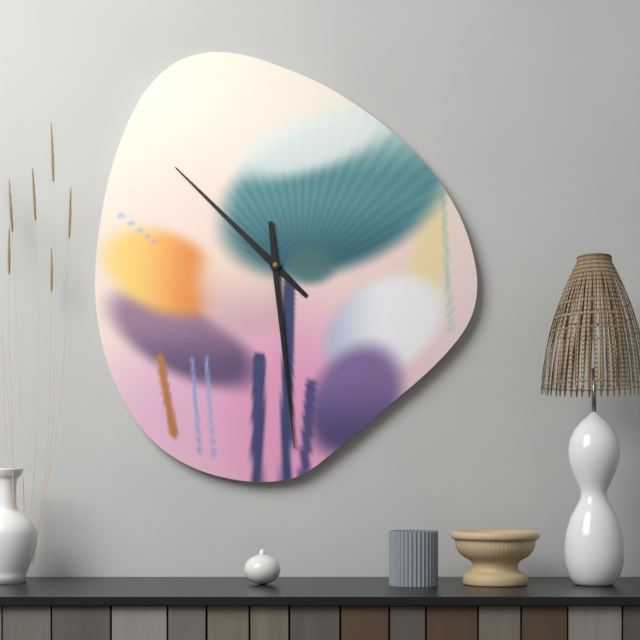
10.29
